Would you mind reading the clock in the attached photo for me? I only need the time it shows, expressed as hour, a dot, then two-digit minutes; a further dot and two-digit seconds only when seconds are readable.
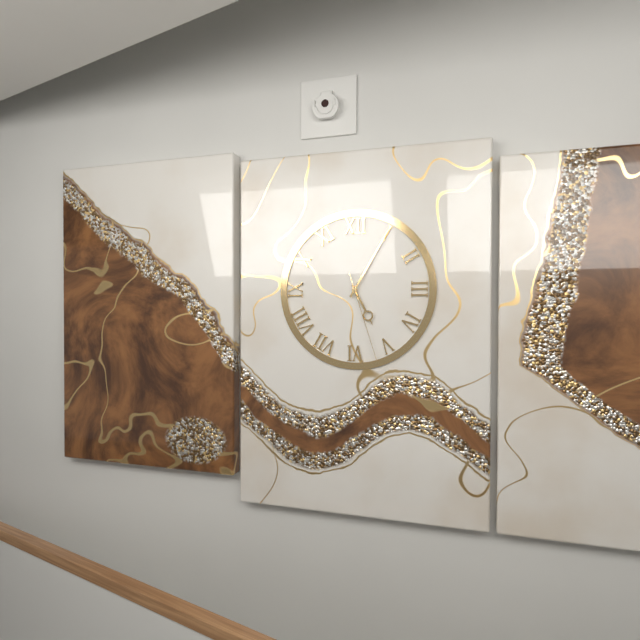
5.05.27
